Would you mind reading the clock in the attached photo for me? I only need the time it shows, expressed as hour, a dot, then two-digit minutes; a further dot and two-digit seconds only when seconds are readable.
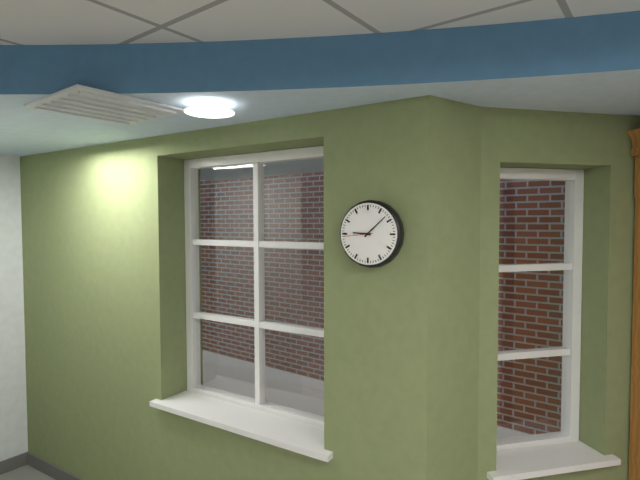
9.08
